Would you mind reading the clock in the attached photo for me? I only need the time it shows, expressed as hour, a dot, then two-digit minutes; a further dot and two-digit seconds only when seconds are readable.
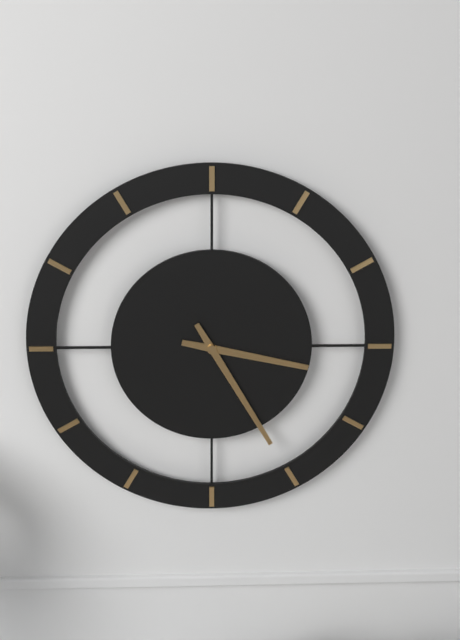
3.25
